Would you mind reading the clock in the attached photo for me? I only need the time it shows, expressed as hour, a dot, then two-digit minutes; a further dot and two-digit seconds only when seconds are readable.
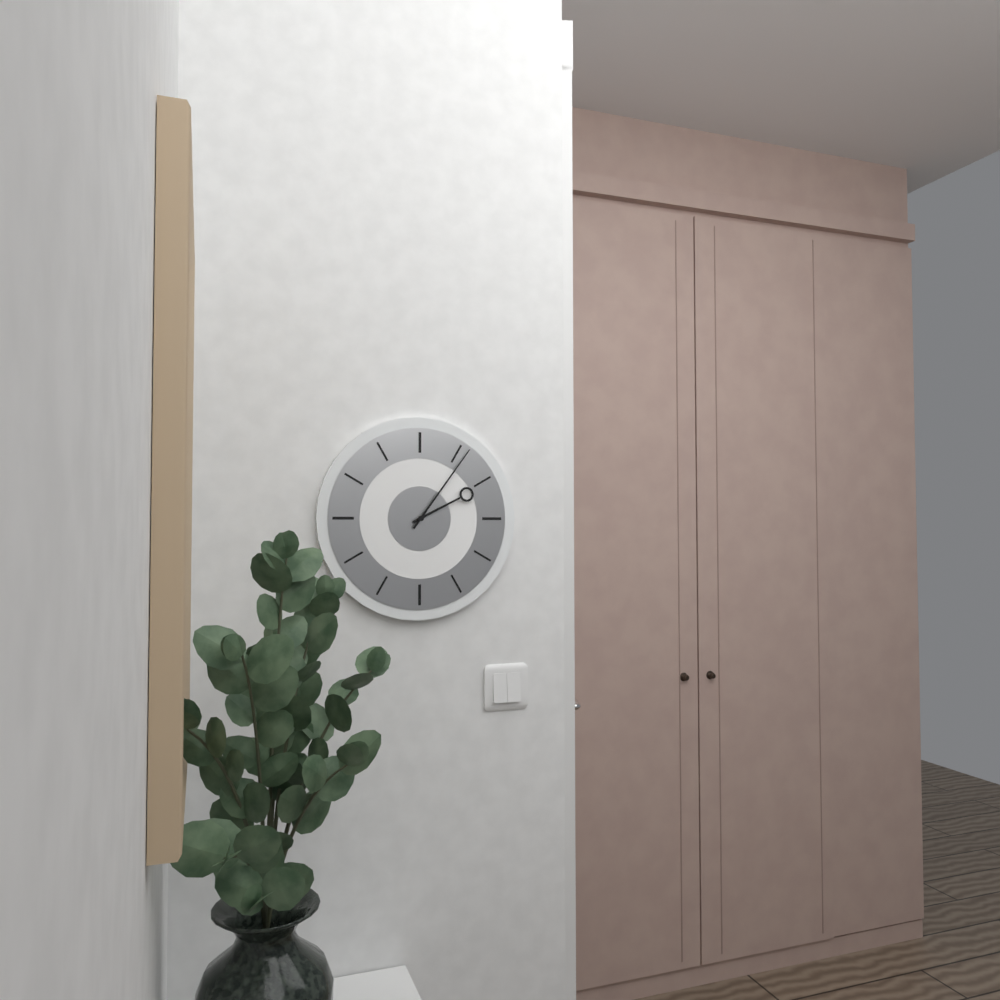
2.06
